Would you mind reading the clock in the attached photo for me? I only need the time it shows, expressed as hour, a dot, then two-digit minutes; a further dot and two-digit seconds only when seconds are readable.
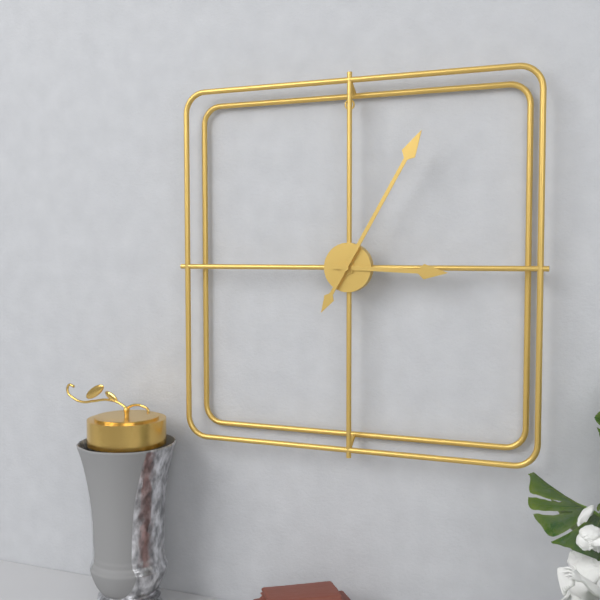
3.05
